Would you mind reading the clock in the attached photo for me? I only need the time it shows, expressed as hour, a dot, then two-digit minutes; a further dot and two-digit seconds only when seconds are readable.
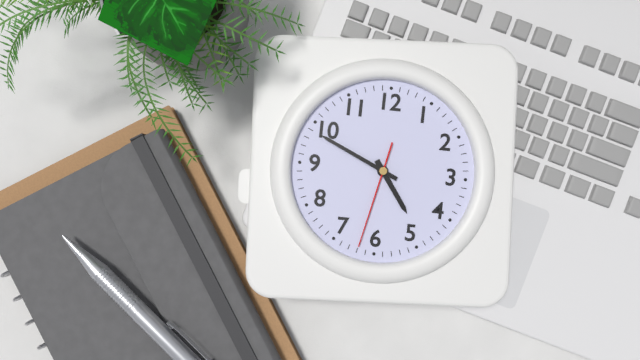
4.49.32
